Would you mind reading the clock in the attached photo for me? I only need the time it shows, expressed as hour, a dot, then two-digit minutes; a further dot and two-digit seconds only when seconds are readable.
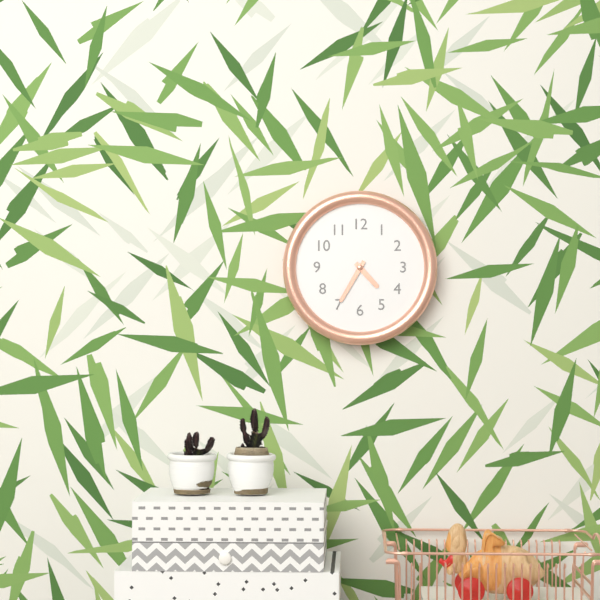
4.35
